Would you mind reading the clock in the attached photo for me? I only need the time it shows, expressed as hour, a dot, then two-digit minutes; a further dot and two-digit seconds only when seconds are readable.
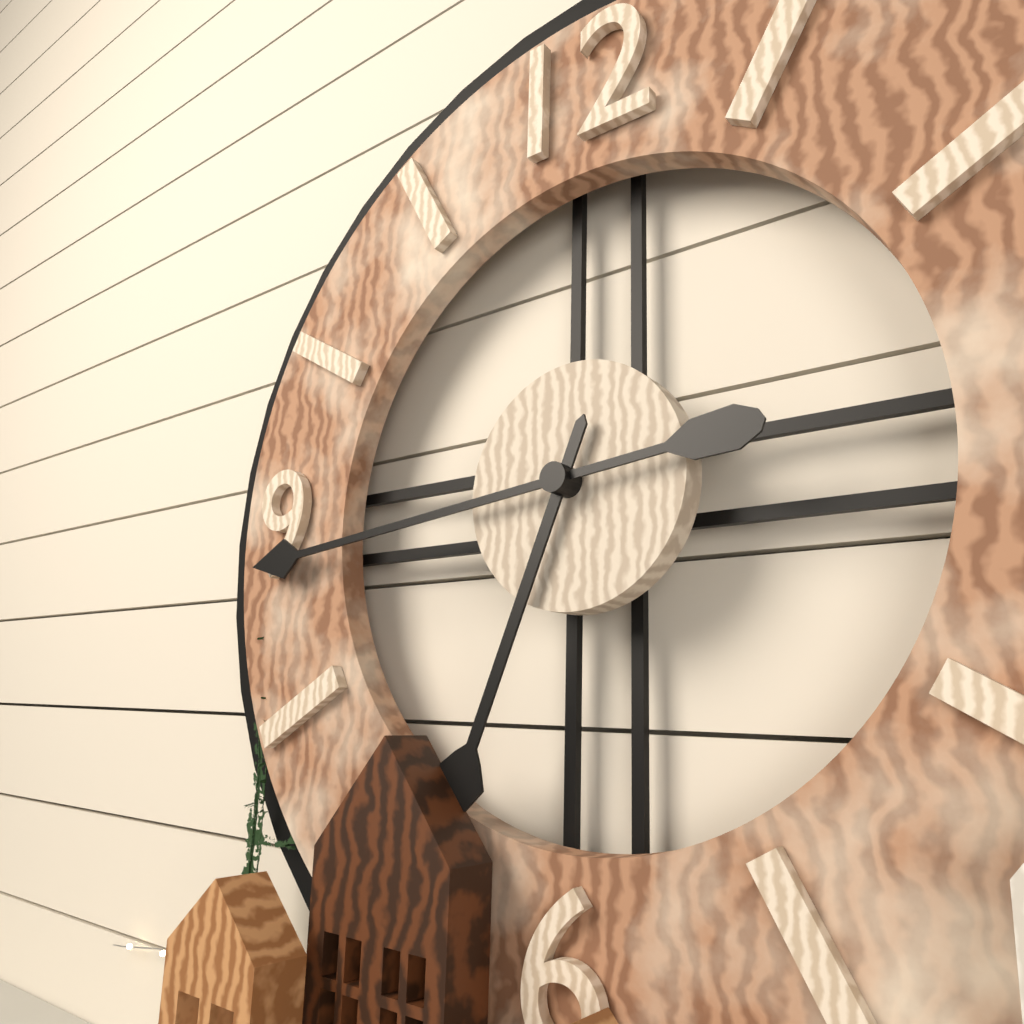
6.44
